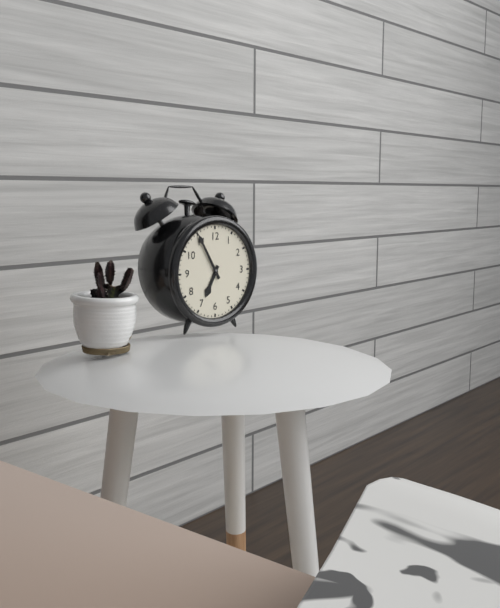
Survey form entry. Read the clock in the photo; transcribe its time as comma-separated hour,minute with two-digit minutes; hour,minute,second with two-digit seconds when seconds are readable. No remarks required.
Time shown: 6,55
